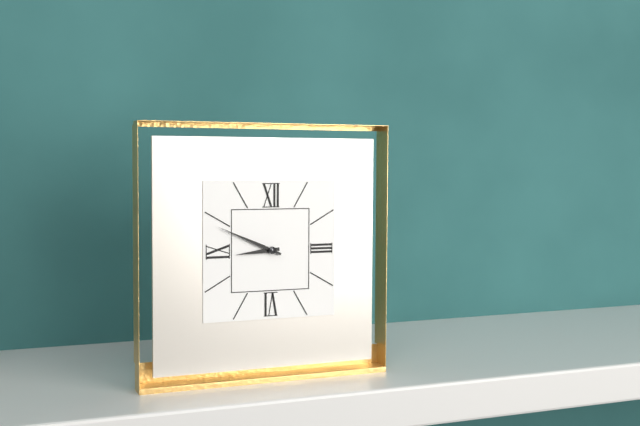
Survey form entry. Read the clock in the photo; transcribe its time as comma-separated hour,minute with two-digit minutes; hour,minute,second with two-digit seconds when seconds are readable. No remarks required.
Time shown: 8,49
